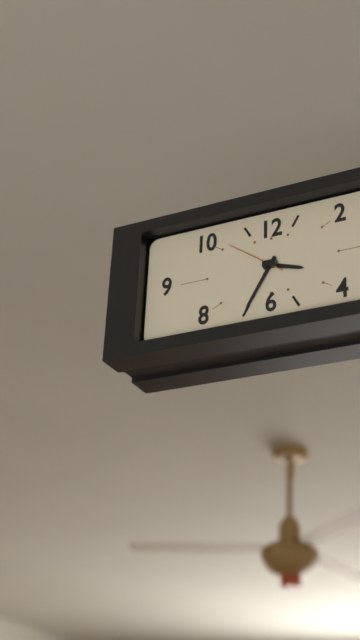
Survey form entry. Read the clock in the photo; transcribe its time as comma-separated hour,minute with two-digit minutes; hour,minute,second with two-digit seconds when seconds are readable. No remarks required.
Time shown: 3,35,51
